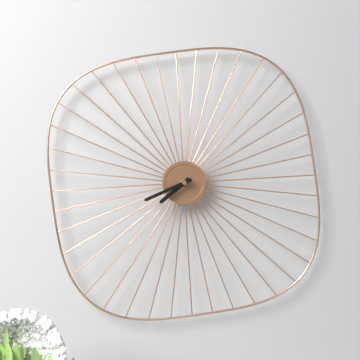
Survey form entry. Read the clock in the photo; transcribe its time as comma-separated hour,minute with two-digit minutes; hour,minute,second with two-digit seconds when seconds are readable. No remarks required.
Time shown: 7,41
